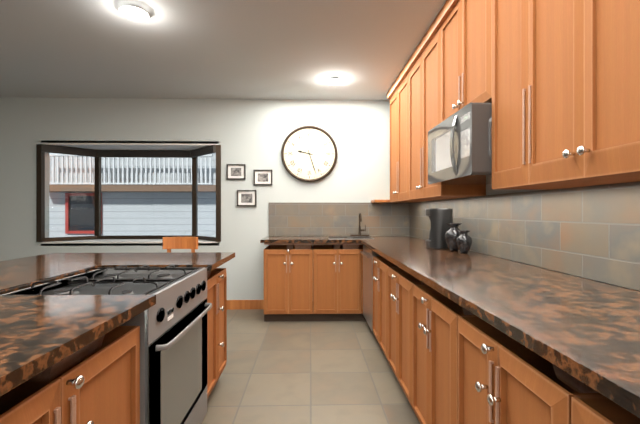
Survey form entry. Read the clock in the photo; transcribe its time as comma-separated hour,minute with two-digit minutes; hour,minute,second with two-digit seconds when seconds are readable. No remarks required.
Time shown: 9,27
